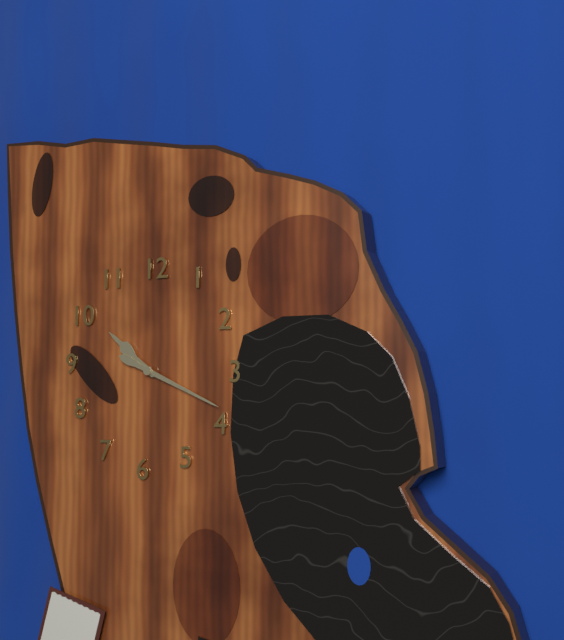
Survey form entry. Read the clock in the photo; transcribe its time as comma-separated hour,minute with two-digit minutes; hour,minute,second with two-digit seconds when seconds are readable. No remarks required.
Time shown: 10,19
